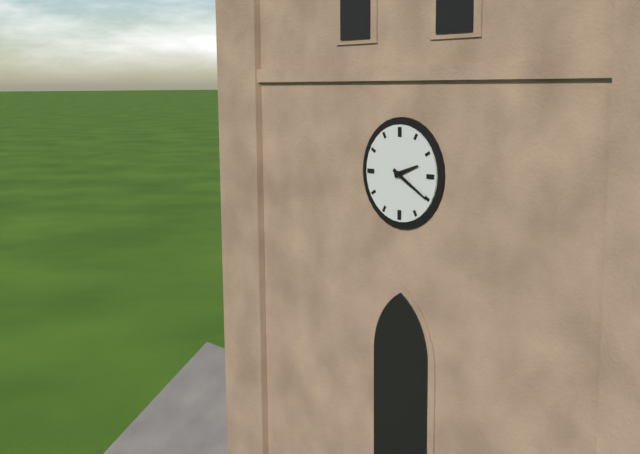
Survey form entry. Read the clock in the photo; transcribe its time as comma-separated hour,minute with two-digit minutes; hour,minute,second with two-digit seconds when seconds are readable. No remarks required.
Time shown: 2,20
